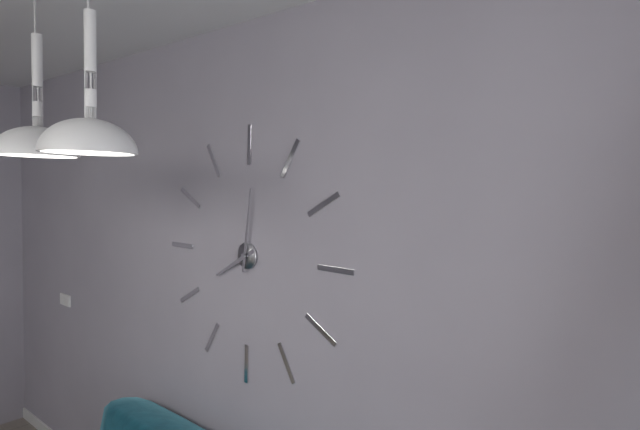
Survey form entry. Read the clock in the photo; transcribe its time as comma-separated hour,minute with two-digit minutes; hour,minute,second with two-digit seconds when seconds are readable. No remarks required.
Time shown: 8,01
